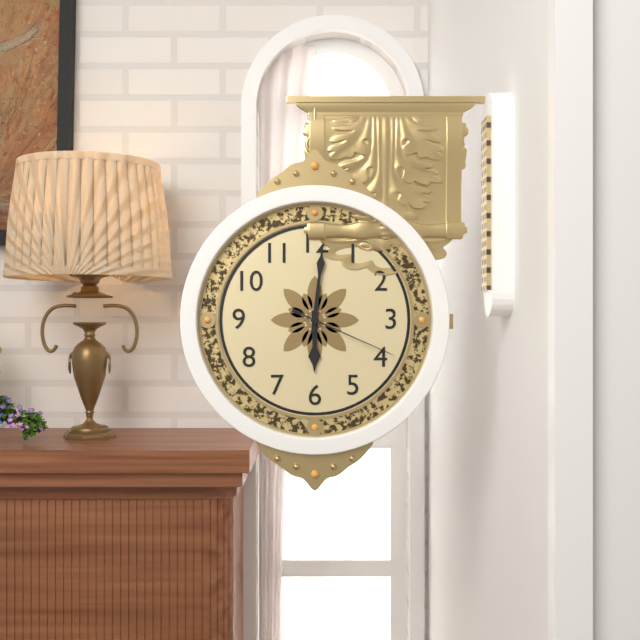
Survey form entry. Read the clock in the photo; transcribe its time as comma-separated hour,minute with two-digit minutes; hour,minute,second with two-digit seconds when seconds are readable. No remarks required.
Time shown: 6,01,19
